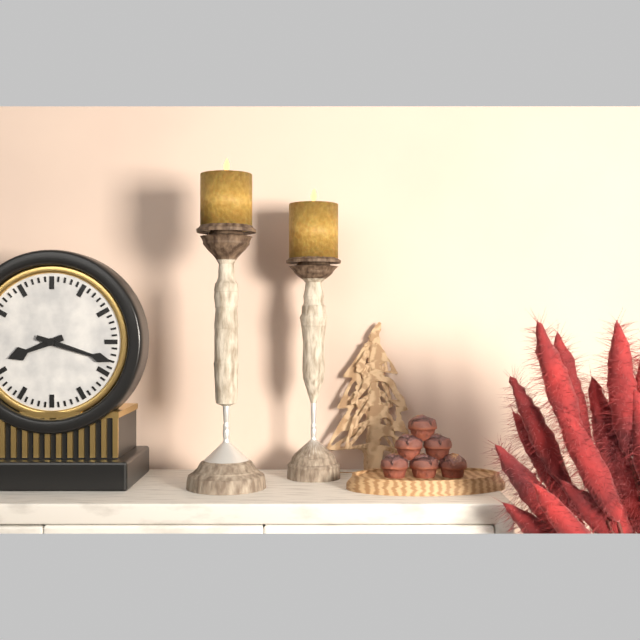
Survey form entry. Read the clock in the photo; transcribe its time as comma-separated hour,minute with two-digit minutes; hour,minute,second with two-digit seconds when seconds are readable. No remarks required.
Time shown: 8,18
